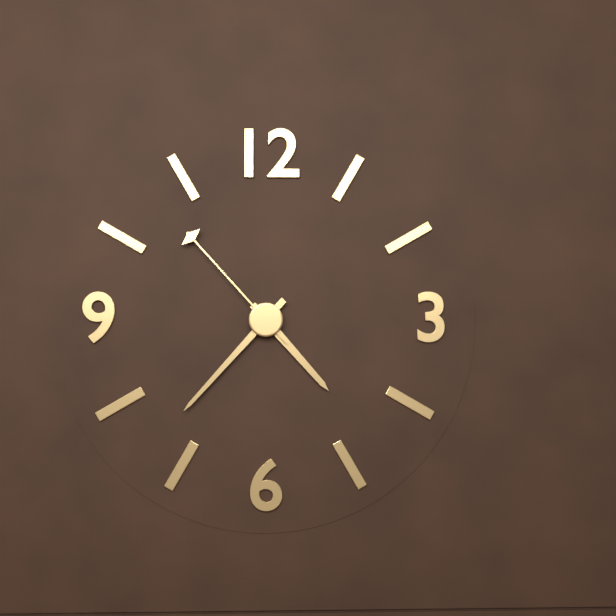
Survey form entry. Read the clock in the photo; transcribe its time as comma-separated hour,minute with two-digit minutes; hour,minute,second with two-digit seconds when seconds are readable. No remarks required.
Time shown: 4,37,53
